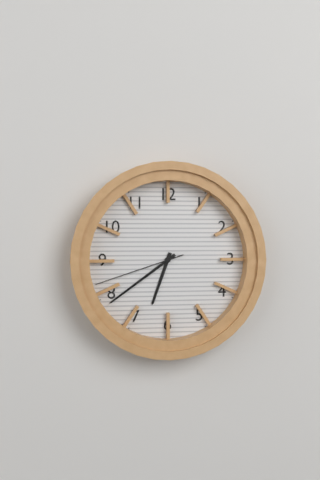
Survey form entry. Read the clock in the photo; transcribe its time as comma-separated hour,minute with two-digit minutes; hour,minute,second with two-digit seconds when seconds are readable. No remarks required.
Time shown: 6,39,42
